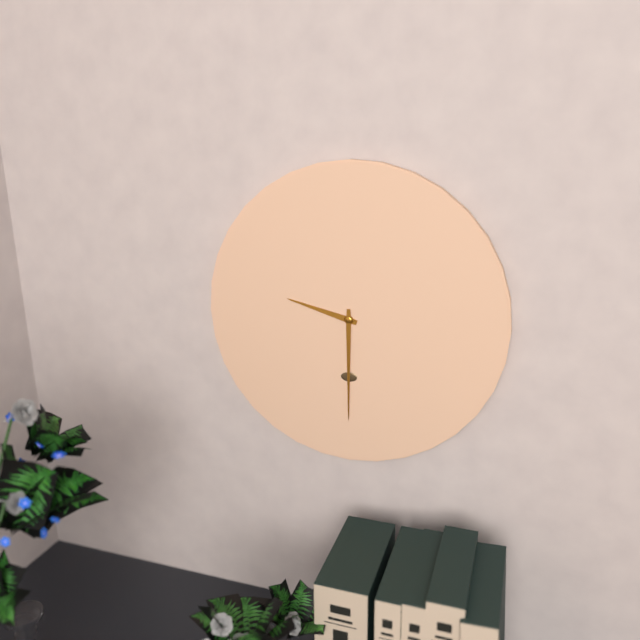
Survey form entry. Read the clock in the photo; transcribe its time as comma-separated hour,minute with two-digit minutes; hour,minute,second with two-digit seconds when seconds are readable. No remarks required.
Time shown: 9,30
